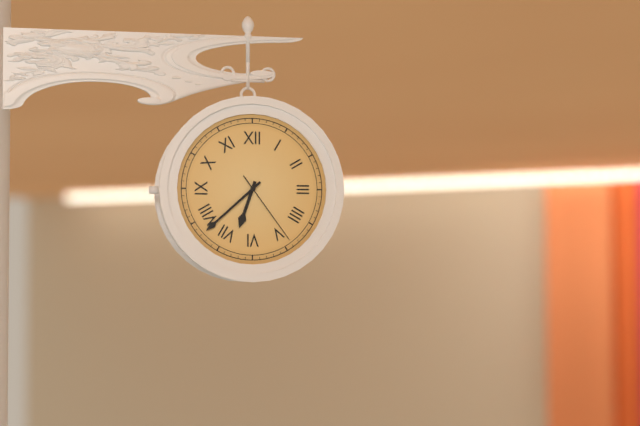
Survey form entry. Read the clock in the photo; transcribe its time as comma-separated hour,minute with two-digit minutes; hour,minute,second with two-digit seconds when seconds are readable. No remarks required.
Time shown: 6,38,24
